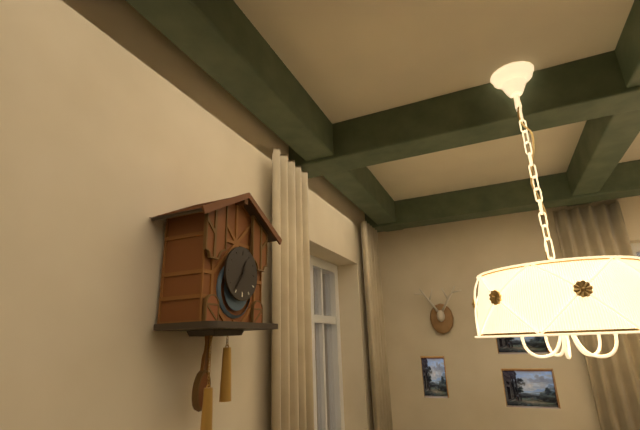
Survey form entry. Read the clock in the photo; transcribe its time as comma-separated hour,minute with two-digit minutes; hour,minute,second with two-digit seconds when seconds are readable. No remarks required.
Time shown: 12,36
